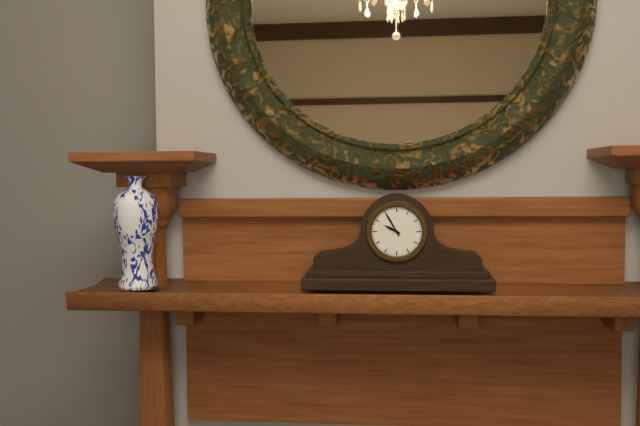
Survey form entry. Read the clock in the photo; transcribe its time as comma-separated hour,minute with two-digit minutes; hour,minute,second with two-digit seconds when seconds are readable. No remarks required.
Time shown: 9,55
